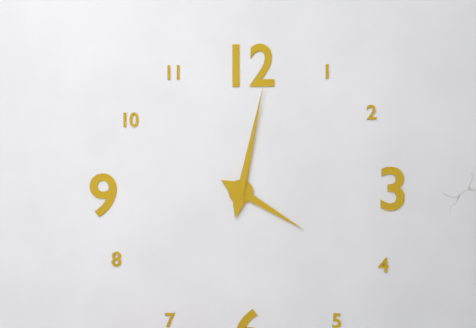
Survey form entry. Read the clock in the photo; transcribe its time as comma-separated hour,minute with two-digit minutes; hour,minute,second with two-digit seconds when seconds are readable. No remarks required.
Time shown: 4,02
